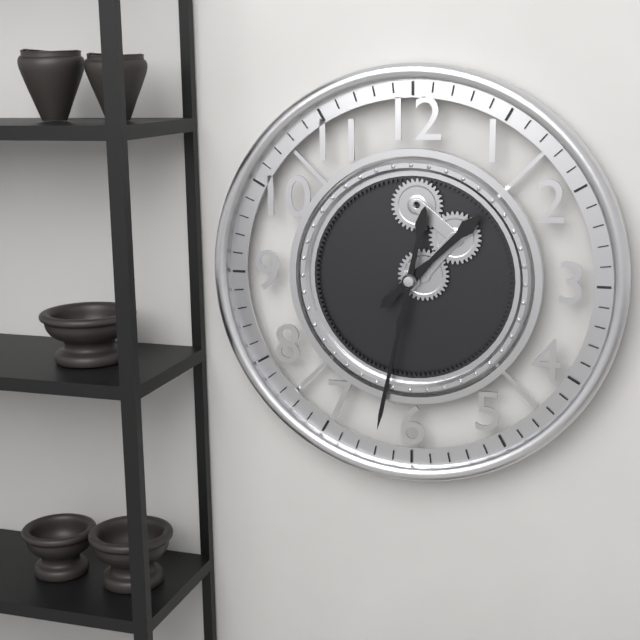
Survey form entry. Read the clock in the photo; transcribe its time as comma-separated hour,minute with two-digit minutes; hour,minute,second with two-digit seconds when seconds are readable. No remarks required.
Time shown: 1,32
